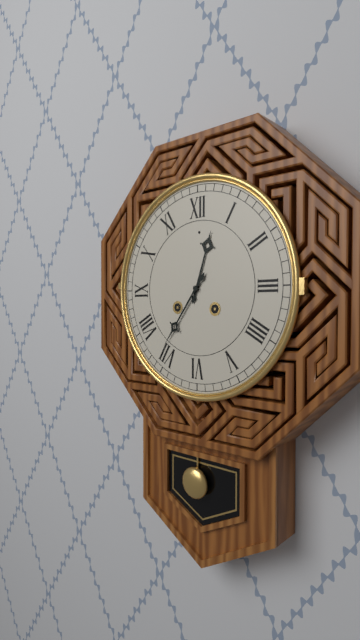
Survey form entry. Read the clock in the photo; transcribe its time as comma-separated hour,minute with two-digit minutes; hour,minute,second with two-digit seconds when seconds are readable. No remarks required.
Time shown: 12,36
